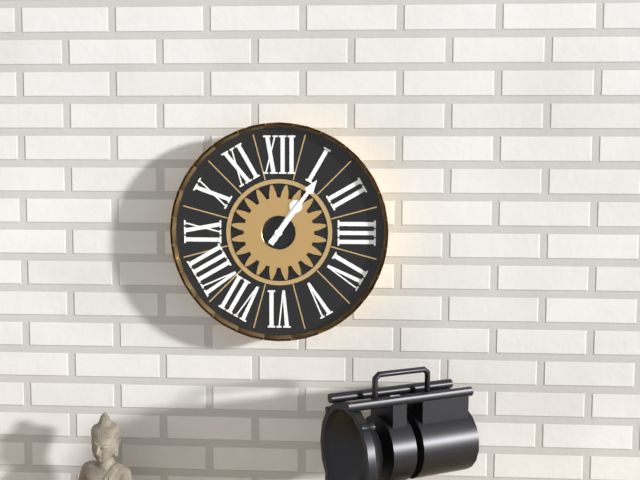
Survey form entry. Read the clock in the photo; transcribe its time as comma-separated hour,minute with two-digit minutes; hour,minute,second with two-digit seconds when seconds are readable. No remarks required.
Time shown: 1,06
